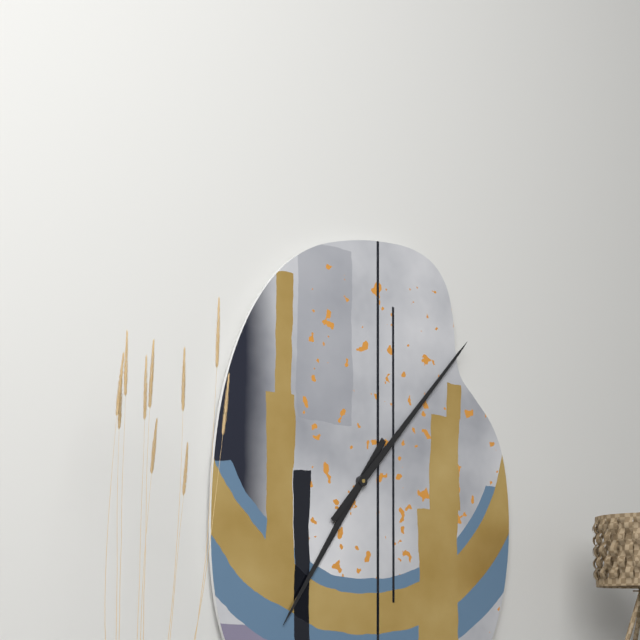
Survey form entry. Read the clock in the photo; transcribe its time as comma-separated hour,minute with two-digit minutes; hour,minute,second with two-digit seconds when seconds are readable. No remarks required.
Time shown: 7,07
